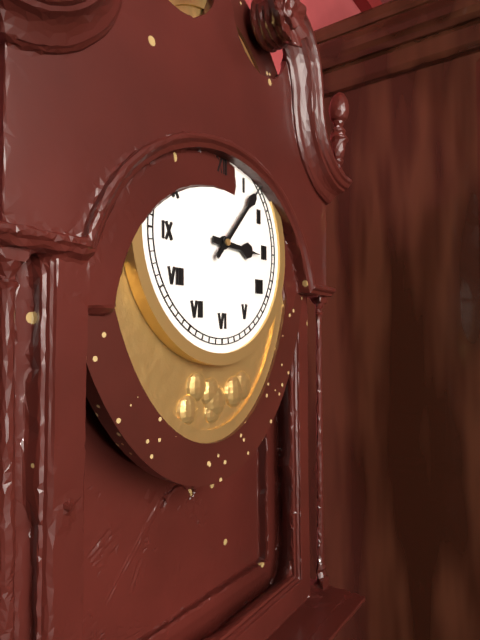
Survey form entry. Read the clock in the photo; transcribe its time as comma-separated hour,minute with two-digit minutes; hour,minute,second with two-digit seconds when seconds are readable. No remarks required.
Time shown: 3,07
